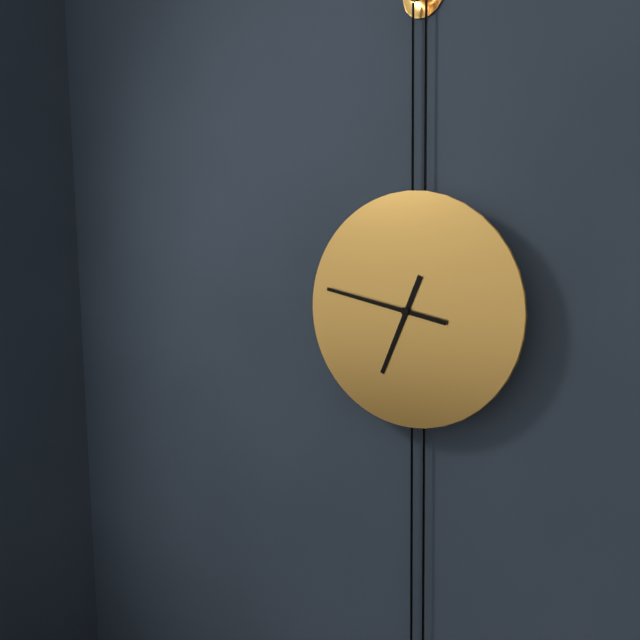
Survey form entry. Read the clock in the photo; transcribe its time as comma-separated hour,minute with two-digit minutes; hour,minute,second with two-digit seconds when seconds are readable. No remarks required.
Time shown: 6,47
